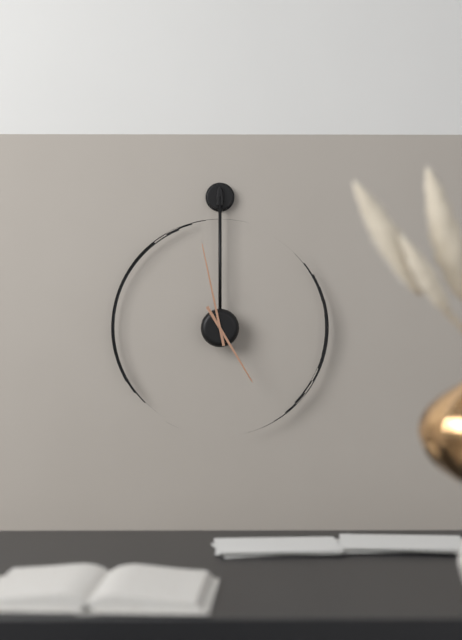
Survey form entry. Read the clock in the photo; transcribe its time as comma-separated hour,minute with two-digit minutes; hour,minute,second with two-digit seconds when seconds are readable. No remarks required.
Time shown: 4,58
